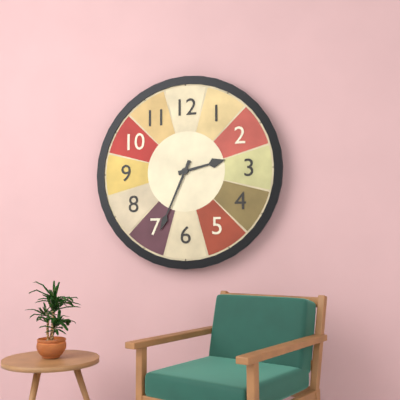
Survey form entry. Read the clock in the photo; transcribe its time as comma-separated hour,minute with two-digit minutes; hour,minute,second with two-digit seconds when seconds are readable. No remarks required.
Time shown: 2,34
